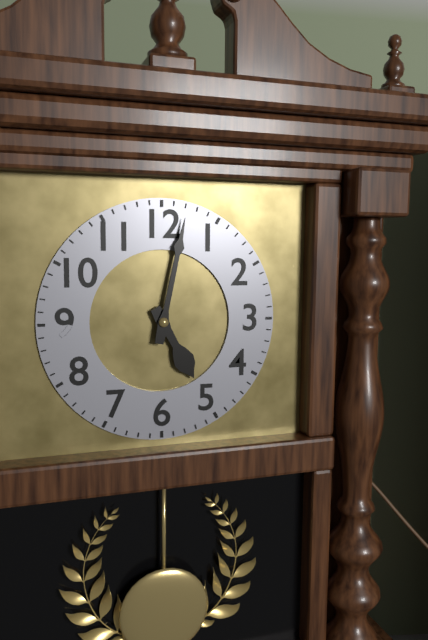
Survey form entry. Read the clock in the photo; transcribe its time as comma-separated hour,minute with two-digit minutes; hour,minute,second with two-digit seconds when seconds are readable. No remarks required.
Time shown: 5,02
